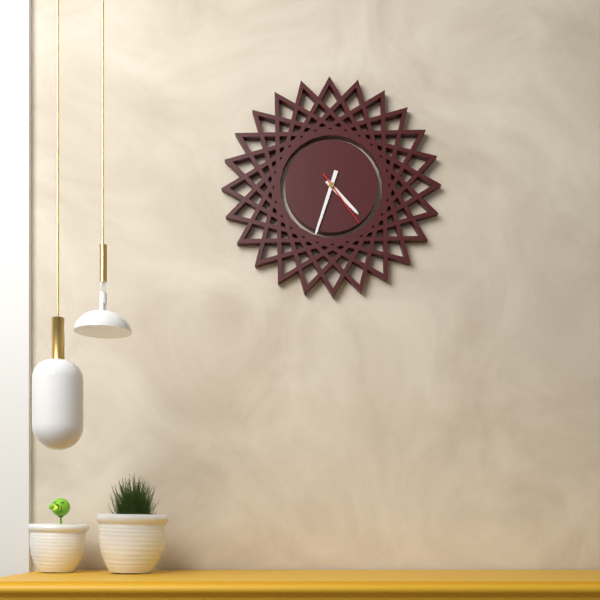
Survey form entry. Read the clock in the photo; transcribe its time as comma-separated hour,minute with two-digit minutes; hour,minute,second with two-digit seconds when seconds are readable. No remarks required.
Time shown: 4,33,24
